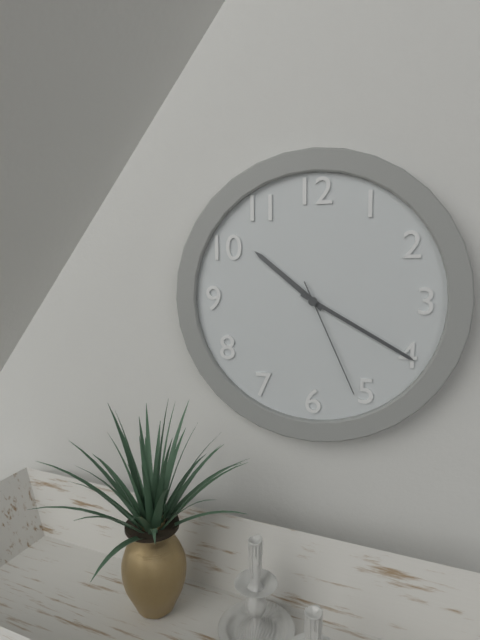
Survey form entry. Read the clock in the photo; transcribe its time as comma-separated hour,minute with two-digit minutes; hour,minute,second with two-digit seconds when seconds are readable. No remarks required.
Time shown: 10,20,26
